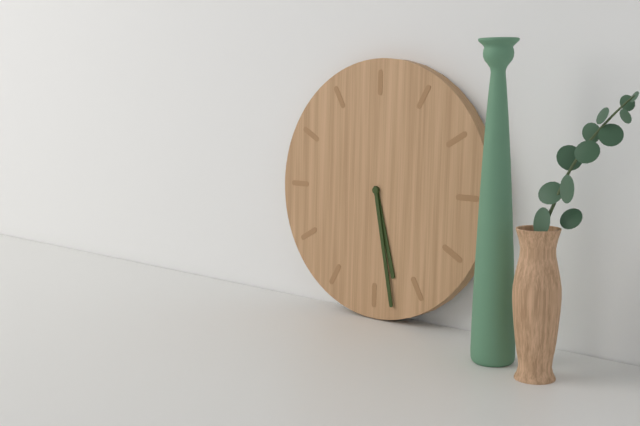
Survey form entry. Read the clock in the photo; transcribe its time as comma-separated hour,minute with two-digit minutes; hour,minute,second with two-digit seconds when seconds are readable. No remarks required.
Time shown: 5,28
